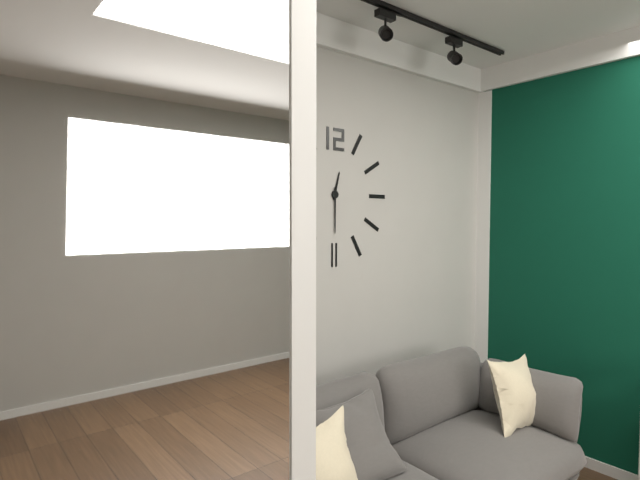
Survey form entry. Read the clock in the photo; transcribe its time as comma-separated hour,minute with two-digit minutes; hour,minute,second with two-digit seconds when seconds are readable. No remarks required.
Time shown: 12,30
